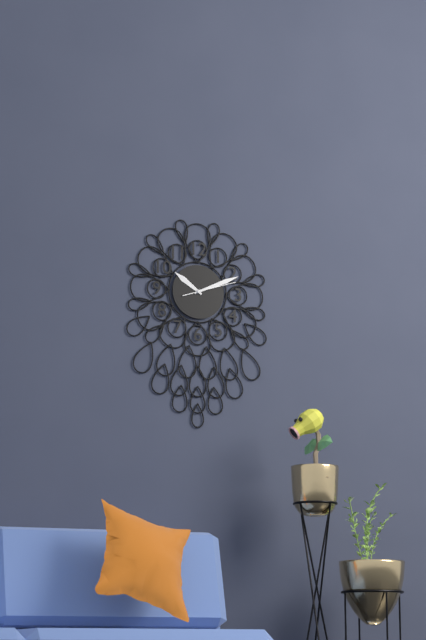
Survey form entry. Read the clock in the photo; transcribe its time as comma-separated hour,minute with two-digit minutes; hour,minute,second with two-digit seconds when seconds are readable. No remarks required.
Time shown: 10,11
